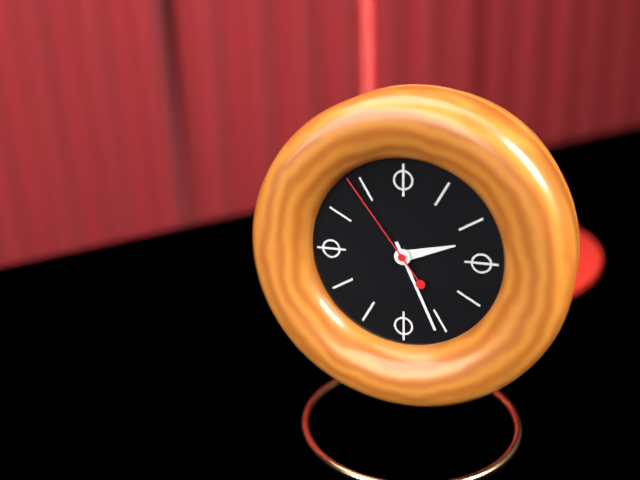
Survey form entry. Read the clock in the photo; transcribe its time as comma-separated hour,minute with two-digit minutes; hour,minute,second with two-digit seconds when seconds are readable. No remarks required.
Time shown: 2,26,54
